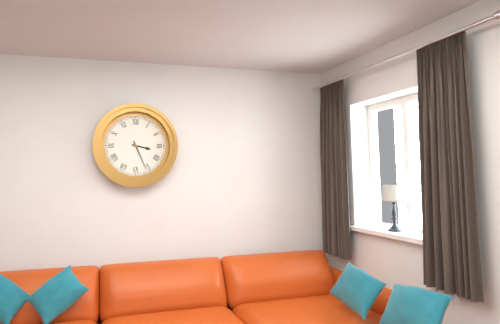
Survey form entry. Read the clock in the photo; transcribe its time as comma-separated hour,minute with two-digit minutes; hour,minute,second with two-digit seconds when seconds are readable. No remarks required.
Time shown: 3,26
